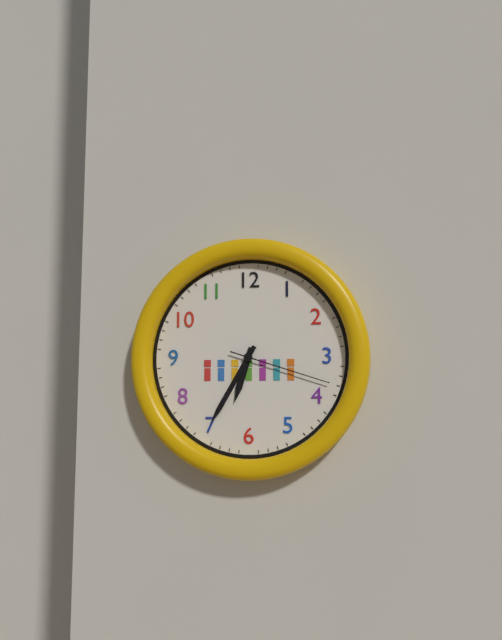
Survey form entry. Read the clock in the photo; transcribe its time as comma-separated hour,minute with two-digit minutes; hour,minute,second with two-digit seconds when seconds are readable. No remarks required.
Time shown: 6,35,18
